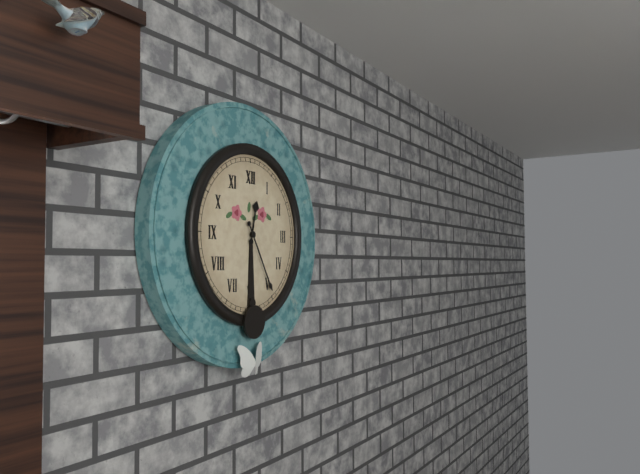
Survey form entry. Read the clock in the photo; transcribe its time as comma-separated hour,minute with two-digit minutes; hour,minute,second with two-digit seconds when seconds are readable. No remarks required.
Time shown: 12,25
